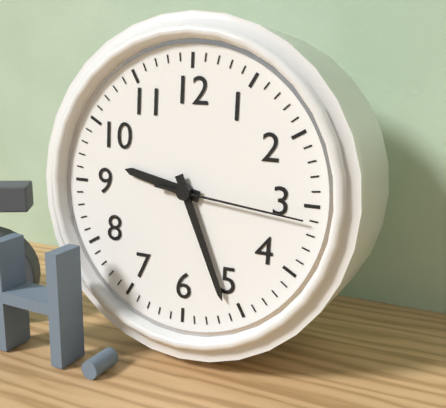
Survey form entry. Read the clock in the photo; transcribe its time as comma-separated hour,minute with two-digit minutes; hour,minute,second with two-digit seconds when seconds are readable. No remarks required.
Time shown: 9,26,16
